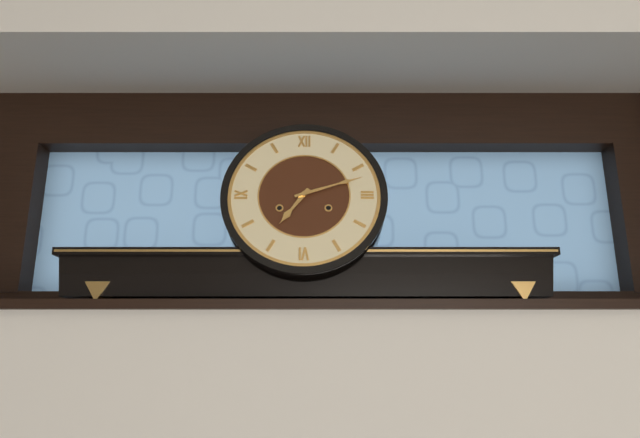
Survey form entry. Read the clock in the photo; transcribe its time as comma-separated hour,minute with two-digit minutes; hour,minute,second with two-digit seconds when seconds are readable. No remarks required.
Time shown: 7,12
